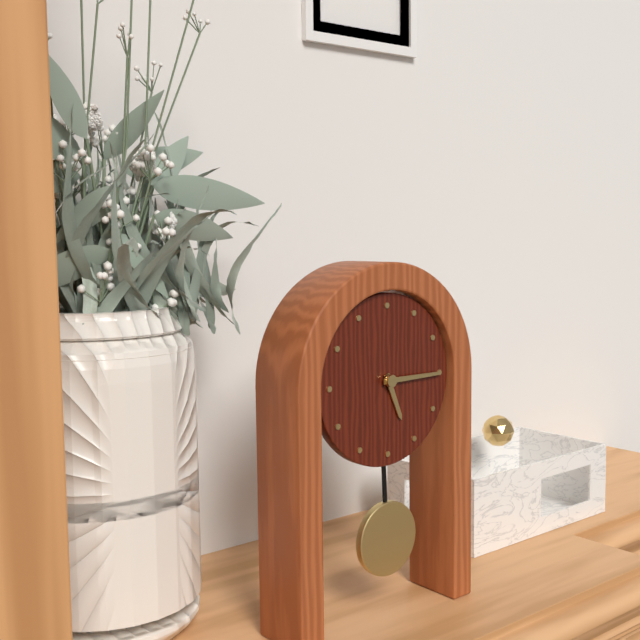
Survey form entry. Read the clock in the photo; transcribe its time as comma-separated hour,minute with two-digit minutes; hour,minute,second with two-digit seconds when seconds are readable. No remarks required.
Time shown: 5,15
